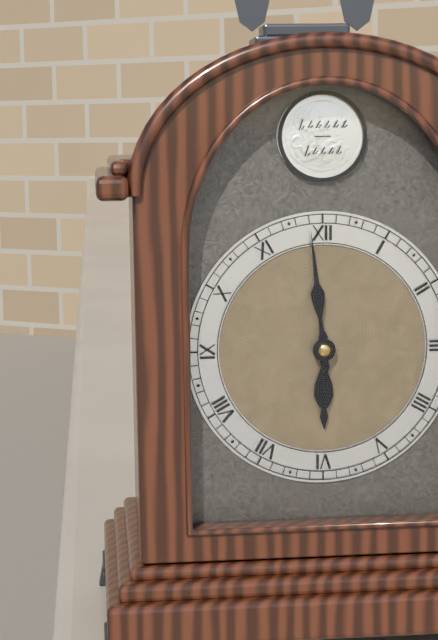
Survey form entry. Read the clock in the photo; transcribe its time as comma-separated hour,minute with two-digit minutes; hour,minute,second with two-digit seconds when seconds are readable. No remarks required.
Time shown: 5,59
